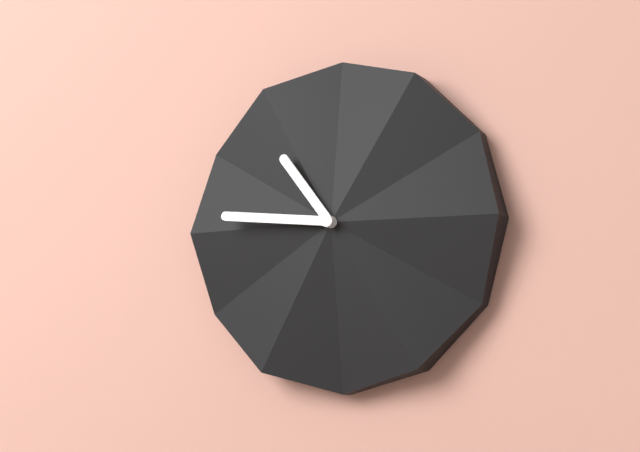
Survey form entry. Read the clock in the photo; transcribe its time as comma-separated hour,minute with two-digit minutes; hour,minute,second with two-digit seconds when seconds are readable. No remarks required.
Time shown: 10,46
